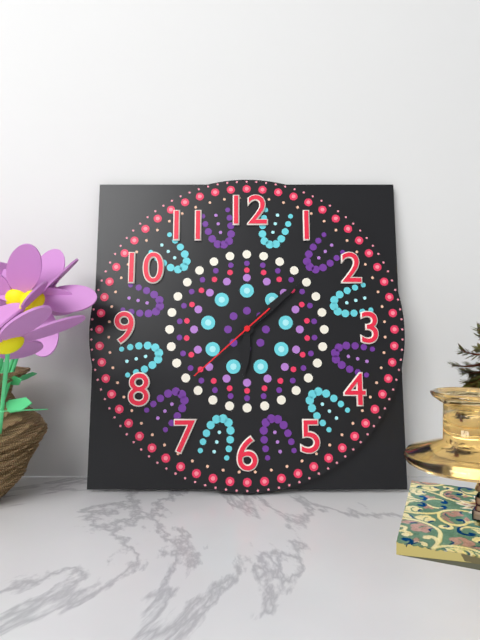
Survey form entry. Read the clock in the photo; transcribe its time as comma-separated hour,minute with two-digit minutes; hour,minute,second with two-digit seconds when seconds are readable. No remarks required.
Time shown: 6,08,38
